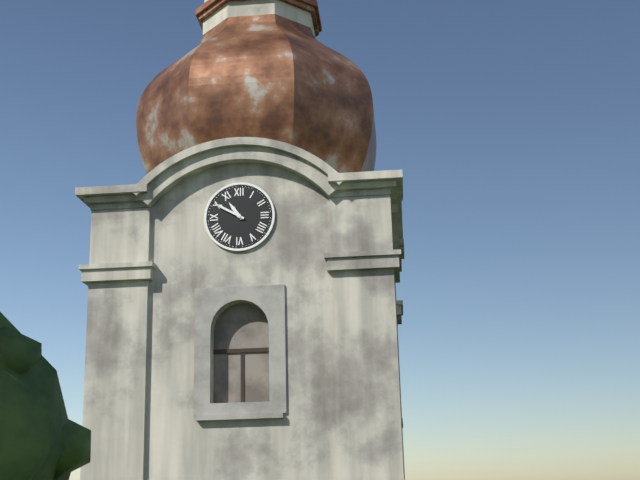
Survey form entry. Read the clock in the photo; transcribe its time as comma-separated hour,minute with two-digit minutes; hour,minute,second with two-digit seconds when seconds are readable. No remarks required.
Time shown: 10,50
